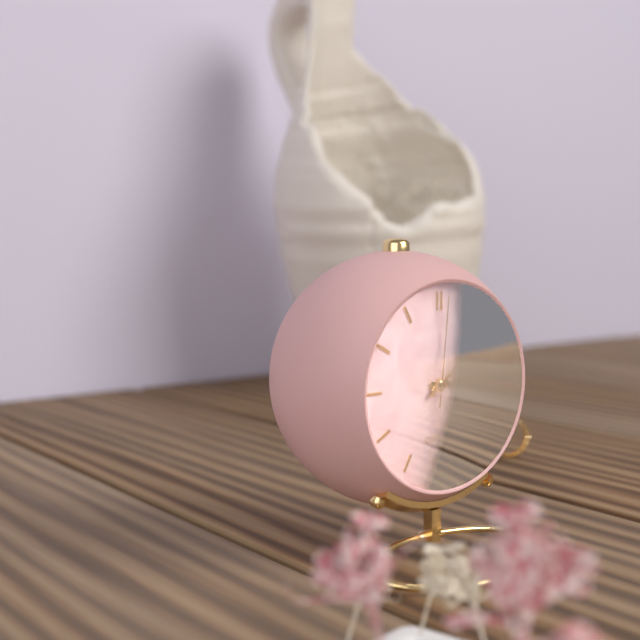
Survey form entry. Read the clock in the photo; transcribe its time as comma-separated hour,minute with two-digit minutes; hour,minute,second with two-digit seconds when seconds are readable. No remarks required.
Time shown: 3,10,01
